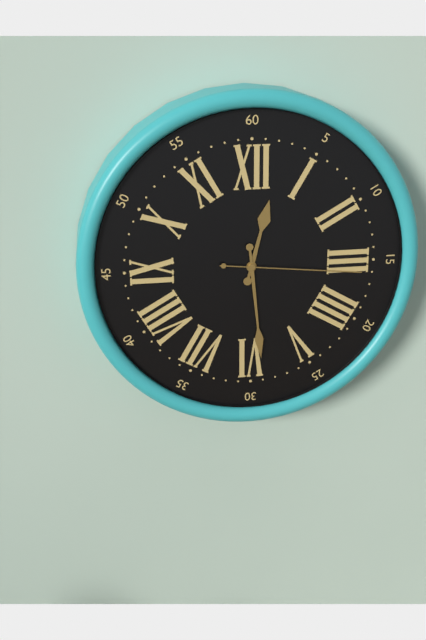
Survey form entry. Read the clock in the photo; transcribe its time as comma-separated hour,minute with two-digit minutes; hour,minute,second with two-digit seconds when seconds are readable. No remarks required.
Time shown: 12,29,16
